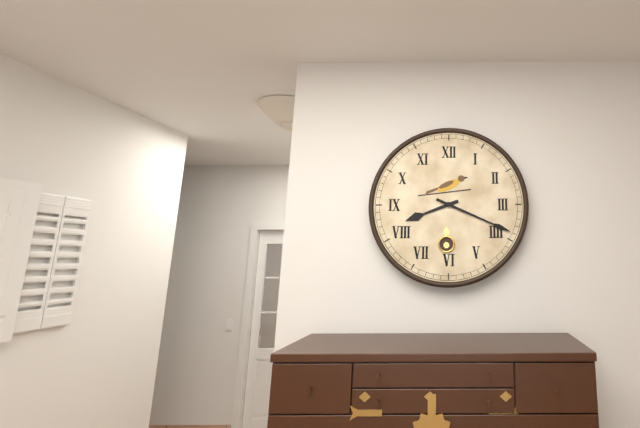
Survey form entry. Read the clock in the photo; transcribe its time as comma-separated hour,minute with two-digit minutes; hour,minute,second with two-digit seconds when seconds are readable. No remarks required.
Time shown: 8,19
